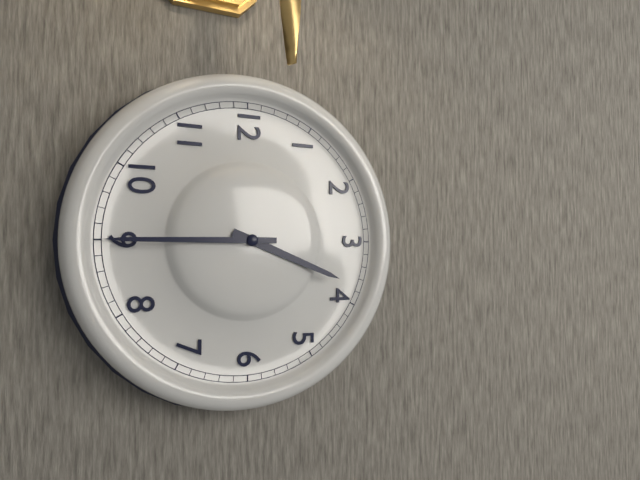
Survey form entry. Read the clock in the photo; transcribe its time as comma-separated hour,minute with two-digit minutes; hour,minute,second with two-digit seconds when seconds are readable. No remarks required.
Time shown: 3,45
